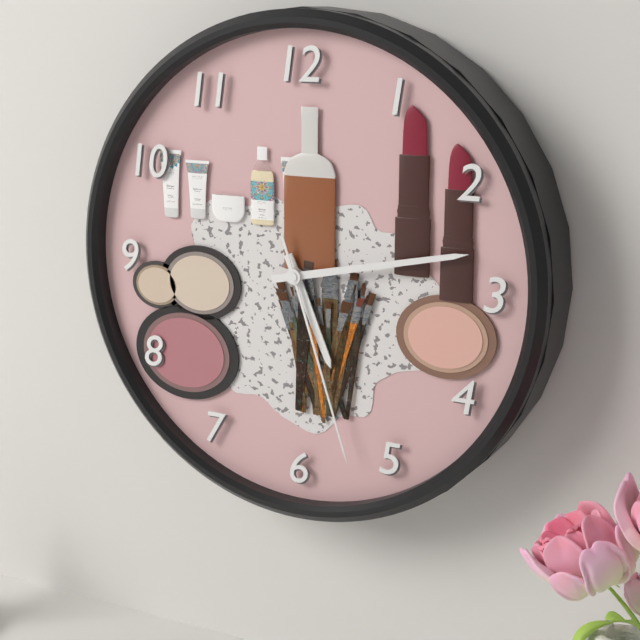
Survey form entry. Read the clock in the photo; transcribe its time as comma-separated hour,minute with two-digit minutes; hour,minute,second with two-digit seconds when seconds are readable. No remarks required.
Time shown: 5,13,27
